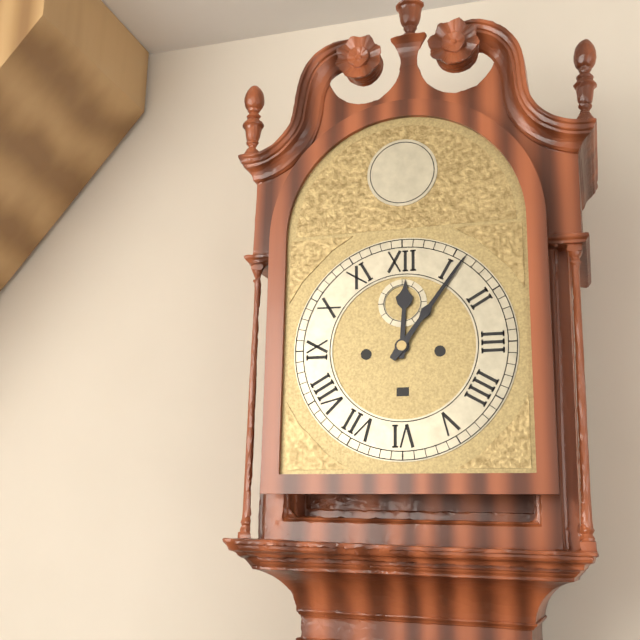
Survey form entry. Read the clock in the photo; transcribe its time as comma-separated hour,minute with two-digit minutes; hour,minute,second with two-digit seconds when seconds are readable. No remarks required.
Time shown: 12,06
